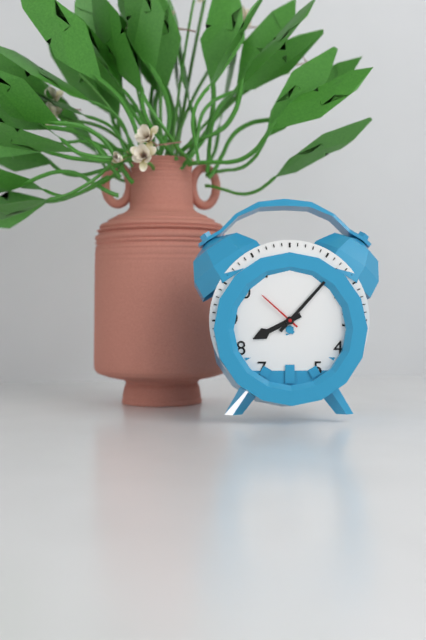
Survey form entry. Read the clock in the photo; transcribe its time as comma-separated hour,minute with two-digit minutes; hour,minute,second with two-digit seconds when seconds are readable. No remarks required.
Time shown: 8,07
